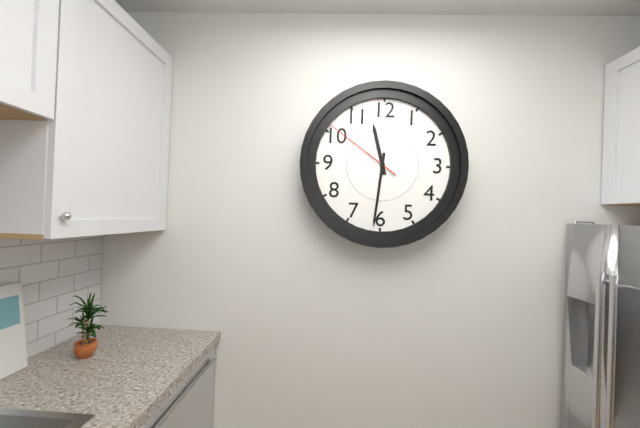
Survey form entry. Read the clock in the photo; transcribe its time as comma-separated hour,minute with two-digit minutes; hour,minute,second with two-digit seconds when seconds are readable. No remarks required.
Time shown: 11,31,51
